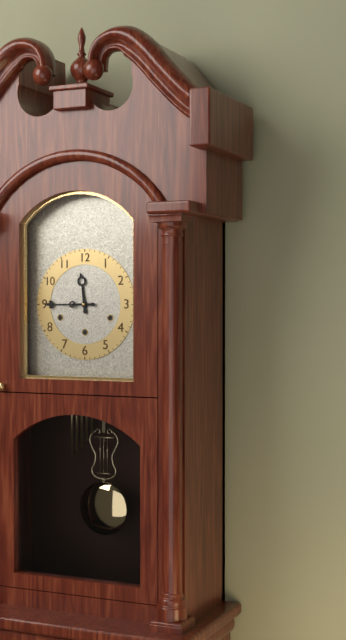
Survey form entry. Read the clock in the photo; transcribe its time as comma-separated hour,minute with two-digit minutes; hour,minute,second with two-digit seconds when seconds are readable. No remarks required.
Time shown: 11,45
